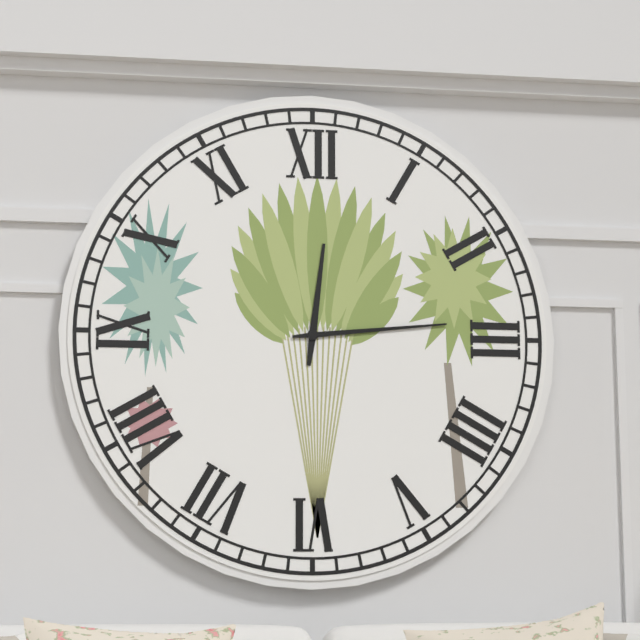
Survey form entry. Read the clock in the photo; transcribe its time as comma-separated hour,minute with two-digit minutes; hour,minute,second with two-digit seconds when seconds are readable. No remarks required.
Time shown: 12,14
